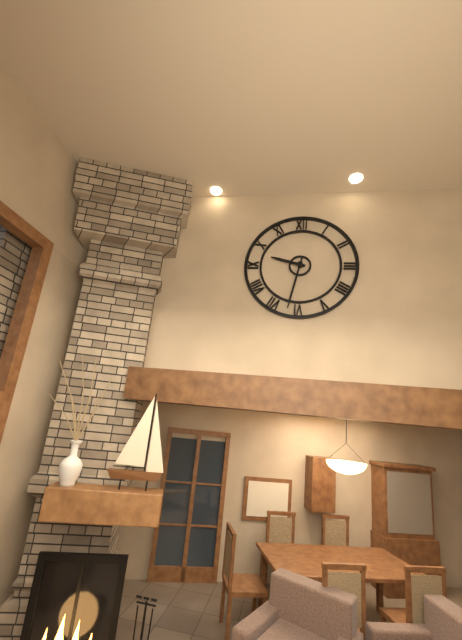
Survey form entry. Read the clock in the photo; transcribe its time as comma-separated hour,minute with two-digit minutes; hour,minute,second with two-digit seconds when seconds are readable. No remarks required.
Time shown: 9,32
